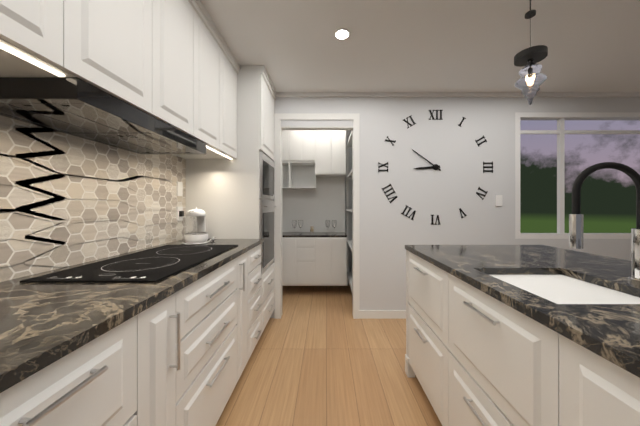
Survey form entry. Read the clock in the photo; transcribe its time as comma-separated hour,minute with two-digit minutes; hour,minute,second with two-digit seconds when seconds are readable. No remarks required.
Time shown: 8,51
